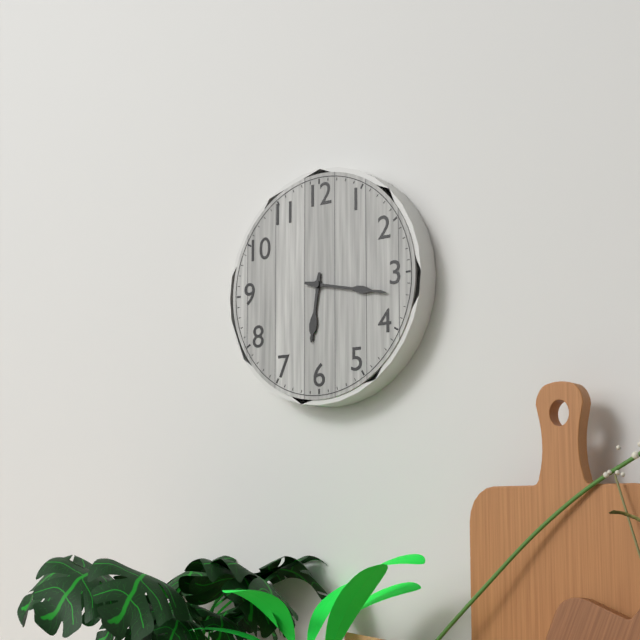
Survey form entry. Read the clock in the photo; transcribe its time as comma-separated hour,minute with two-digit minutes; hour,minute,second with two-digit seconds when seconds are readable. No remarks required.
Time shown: 6,17
